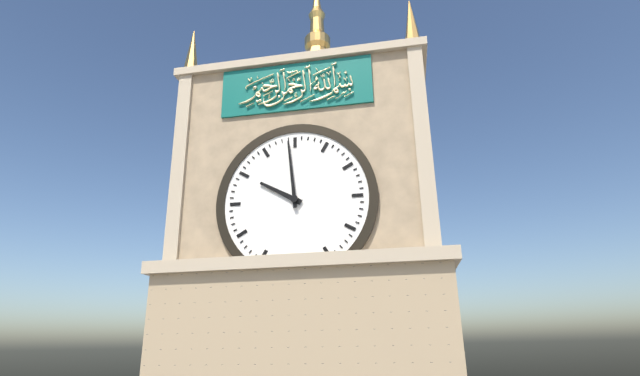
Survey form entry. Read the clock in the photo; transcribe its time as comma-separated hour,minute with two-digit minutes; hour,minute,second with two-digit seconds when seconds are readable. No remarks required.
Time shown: 9,59
